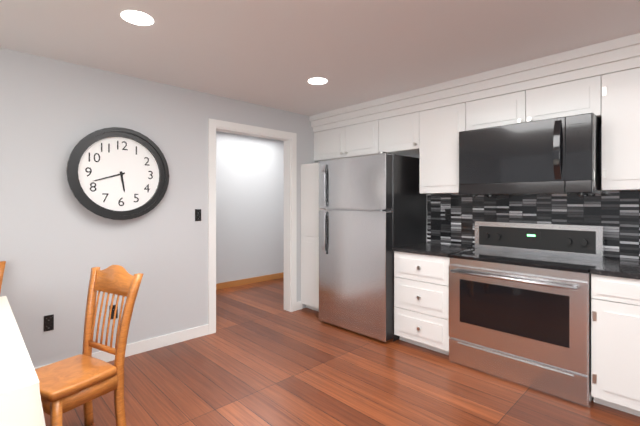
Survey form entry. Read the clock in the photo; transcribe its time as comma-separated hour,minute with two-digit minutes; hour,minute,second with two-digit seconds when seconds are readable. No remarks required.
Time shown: 5,42
